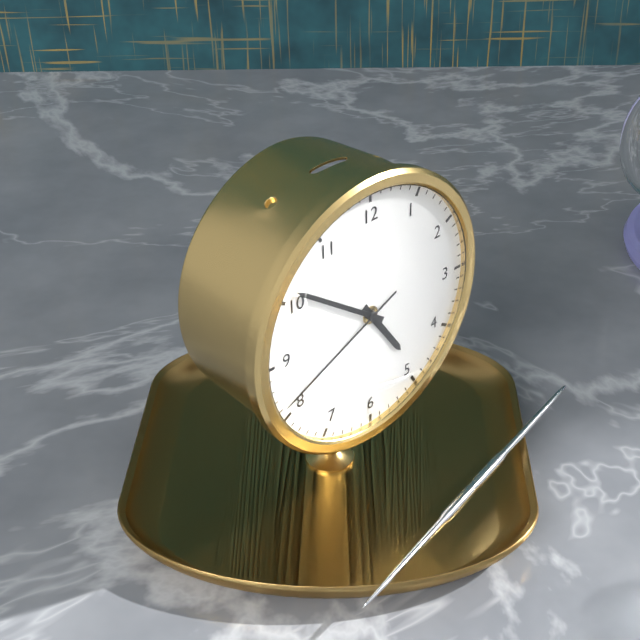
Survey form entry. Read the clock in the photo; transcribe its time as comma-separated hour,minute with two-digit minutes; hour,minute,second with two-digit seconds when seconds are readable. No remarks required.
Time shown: 4,51,41
